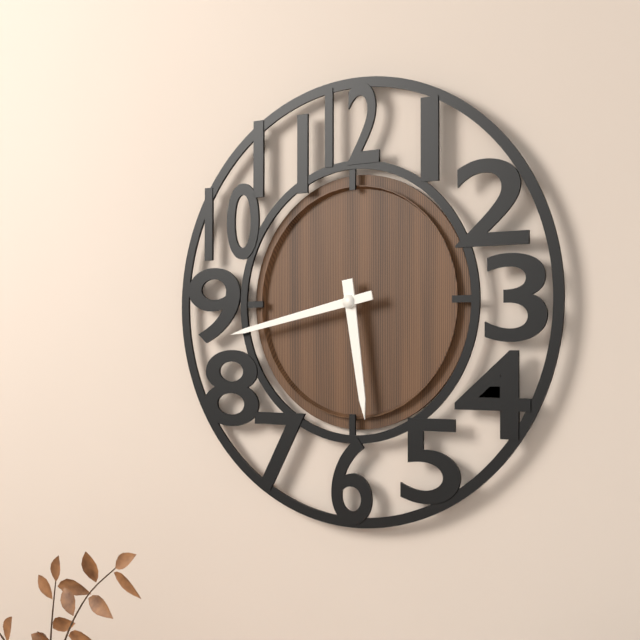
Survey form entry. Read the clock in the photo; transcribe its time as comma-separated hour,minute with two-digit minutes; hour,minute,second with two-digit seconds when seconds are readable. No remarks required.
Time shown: 5,43
